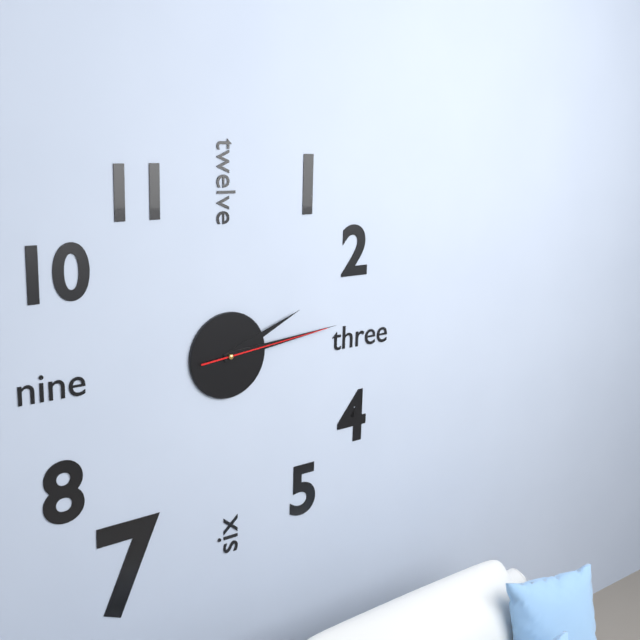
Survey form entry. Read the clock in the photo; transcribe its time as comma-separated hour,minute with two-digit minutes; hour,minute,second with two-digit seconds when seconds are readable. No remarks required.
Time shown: 2,14,14
